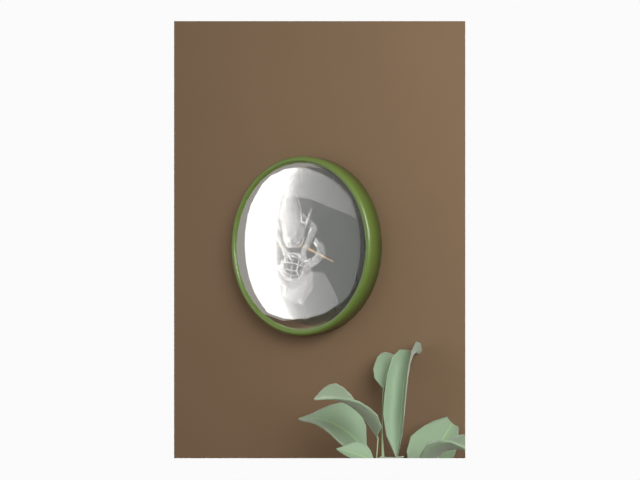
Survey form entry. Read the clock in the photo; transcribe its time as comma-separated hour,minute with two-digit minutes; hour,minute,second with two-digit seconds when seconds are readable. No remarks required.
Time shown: 3,45
